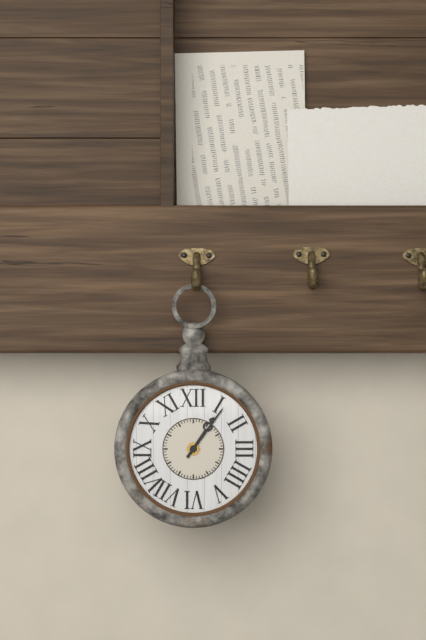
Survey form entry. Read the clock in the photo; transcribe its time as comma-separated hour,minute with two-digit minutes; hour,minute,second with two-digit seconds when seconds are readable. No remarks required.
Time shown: 1,06
